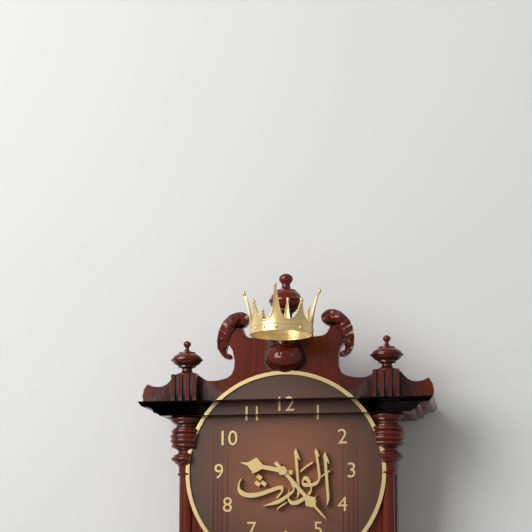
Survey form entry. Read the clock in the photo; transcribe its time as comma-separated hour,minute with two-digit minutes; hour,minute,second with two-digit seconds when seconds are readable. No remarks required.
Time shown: 9,23
